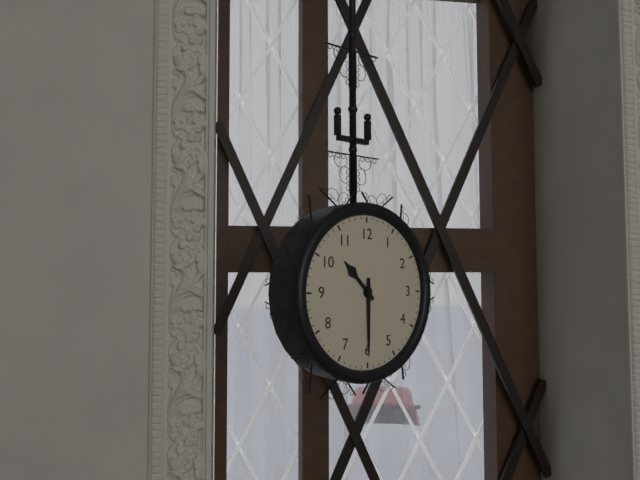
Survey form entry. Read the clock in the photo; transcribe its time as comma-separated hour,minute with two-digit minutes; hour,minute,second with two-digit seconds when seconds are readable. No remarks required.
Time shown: 10,30
